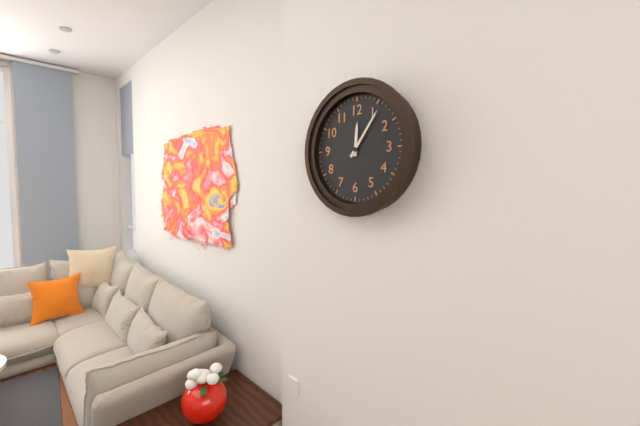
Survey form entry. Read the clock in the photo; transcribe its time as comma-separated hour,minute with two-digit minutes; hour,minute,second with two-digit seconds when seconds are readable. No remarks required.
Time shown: 12,06
